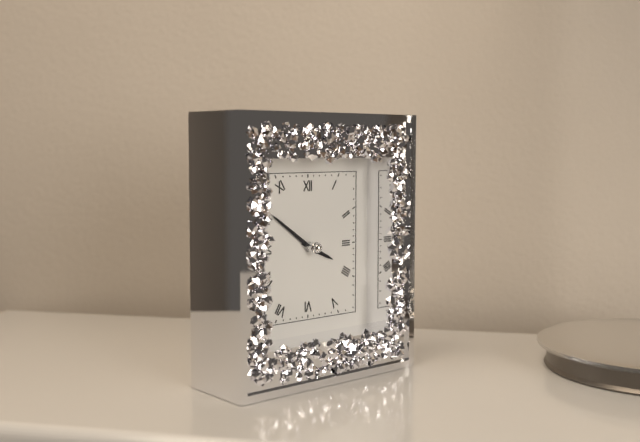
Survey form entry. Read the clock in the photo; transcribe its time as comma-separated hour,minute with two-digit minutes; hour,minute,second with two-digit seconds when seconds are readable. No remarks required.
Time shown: 3,51
